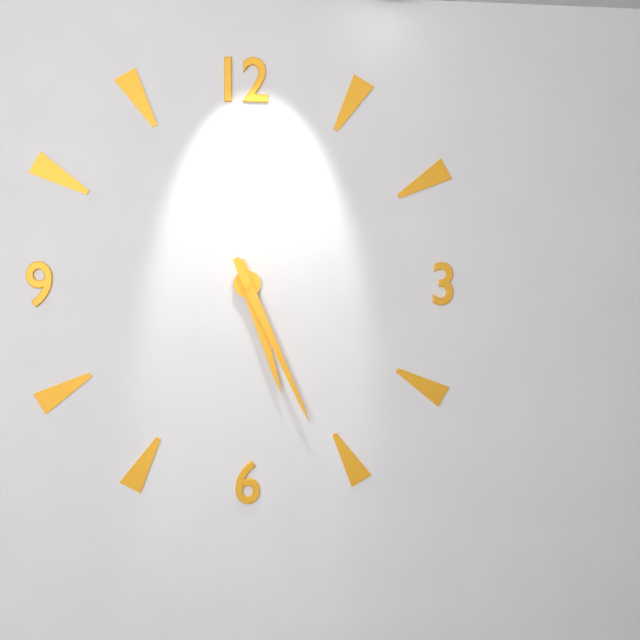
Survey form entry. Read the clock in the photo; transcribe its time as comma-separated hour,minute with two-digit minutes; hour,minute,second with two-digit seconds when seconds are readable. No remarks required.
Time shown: 5,26
